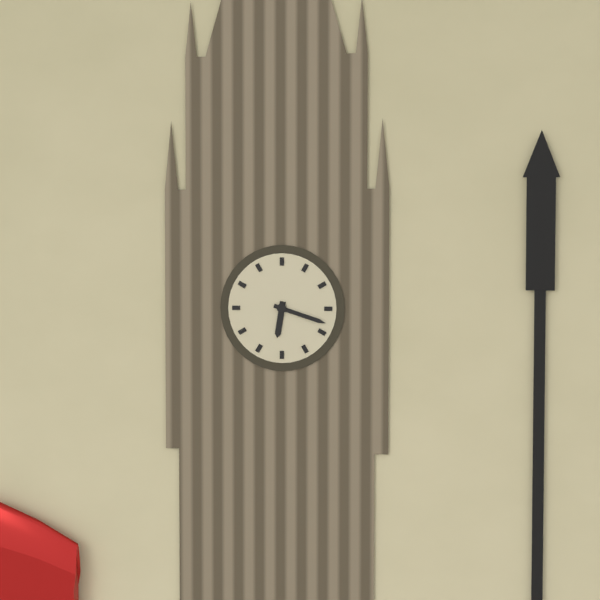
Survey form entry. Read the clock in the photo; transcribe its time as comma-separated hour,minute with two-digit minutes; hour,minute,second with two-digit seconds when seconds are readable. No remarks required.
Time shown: 6,18
